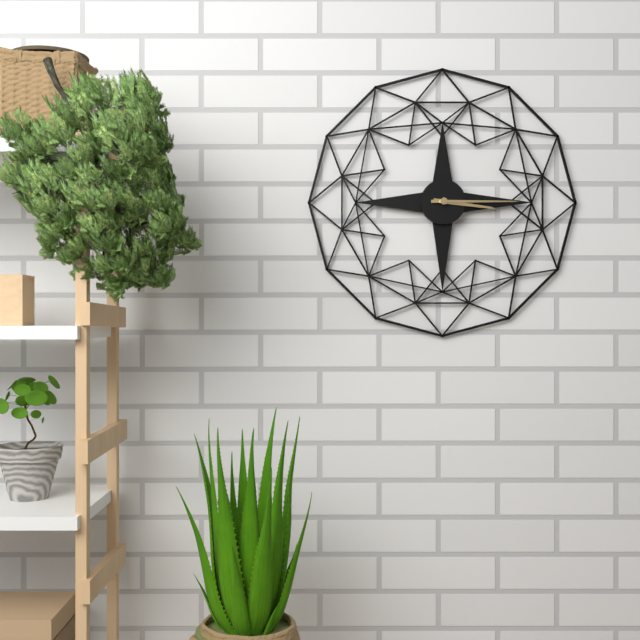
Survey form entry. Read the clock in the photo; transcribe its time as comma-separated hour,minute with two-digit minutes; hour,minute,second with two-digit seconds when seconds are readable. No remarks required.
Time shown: 3,15
